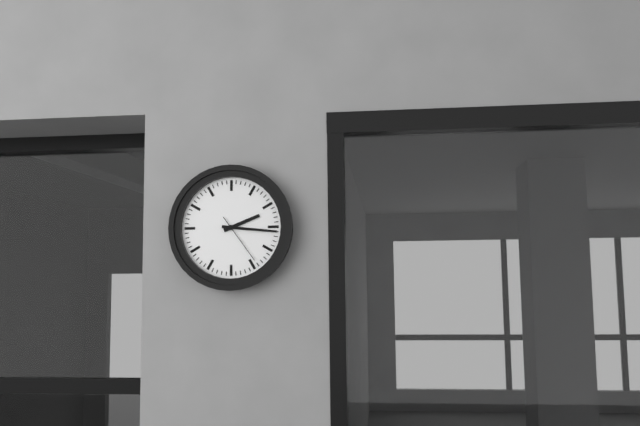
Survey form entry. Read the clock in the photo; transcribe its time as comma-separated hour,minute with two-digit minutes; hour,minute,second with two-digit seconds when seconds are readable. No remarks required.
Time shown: 2,16,24
